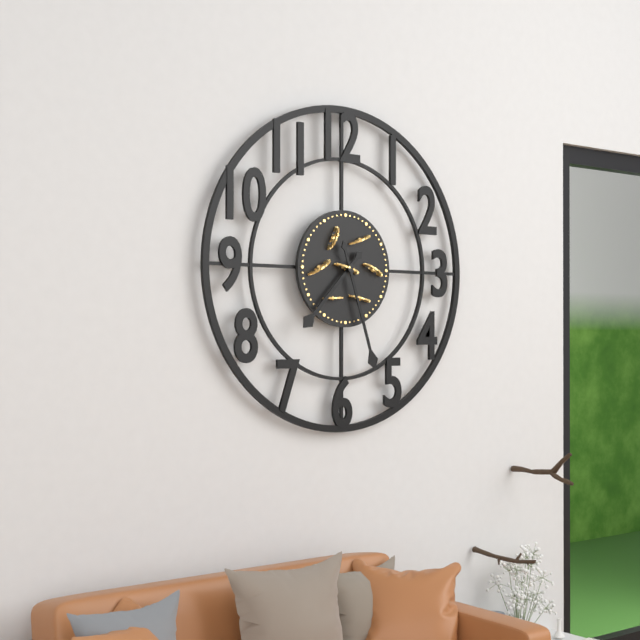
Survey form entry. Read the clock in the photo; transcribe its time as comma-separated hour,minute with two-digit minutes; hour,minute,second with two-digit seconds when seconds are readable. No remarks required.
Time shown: 7,27
